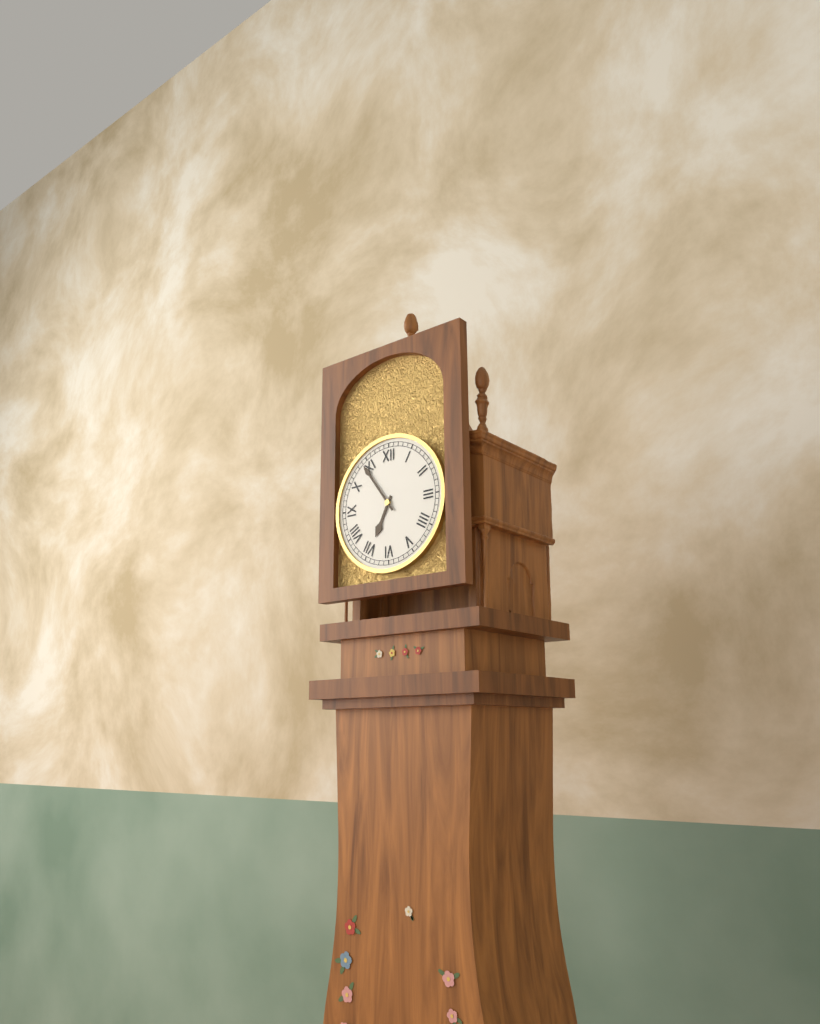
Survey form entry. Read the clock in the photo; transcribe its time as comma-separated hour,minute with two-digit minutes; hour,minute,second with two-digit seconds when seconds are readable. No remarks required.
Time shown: 6,54
